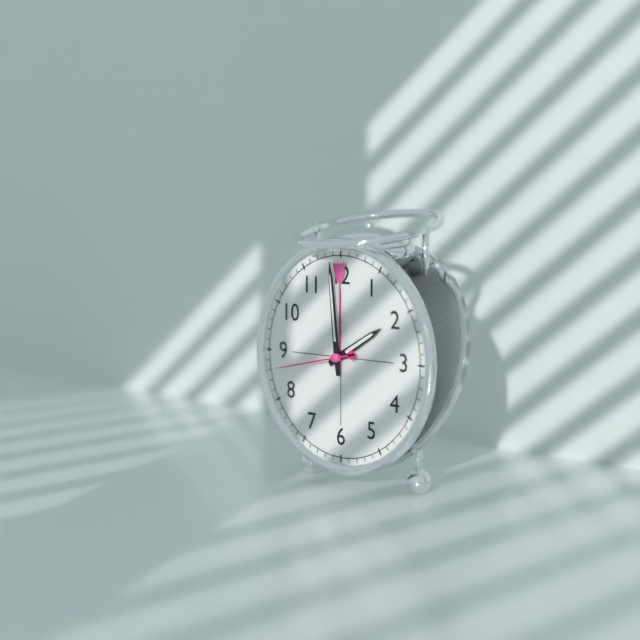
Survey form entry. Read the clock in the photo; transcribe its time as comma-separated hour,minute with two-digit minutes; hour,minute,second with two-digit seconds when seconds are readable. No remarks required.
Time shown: 1,59,43
